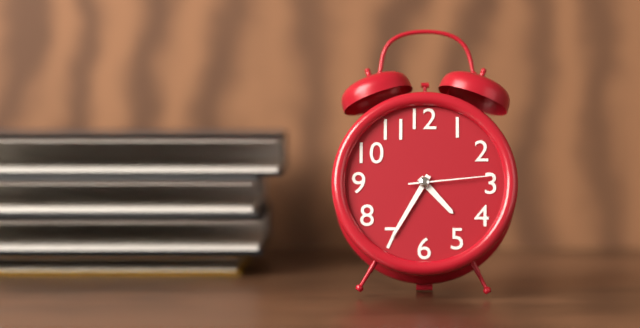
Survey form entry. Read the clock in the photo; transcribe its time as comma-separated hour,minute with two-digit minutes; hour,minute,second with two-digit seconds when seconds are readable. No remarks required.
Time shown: 4,35,14
